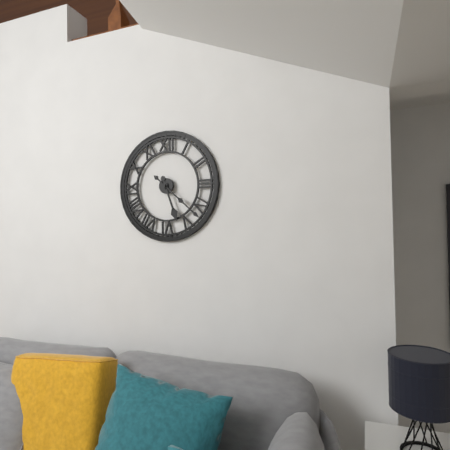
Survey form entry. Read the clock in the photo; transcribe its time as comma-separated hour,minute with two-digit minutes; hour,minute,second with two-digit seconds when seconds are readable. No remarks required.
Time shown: 5,22
